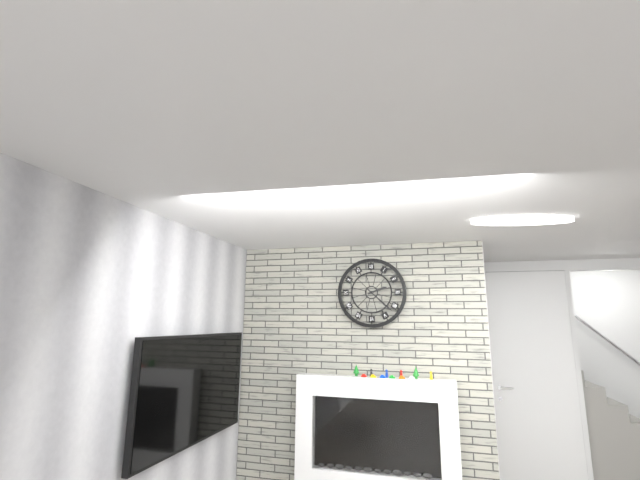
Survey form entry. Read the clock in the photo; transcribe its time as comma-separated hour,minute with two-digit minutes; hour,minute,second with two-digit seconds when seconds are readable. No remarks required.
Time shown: 2,22
